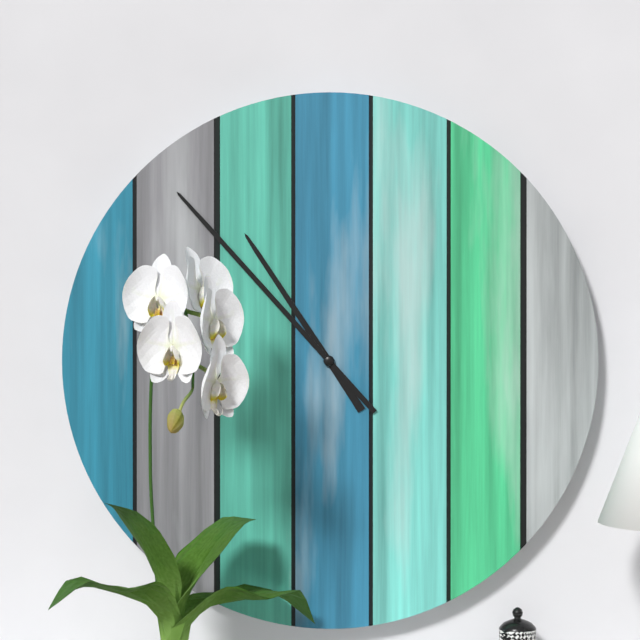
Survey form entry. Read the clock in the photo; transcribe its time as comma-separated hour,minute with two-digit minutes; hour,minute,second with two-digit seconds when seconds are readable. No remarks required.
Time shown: 10,53
